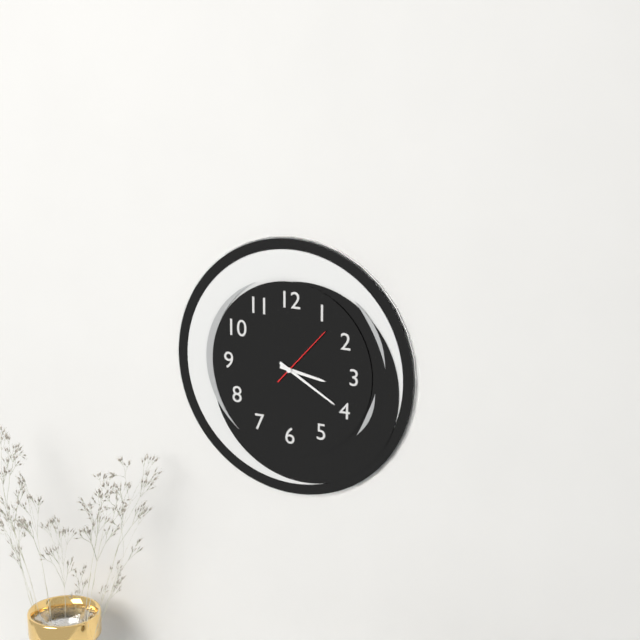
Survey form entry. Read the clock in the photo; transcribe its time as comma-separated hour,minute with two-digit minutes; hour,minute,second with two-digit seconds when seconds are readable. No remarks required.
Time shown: 3,20,07
